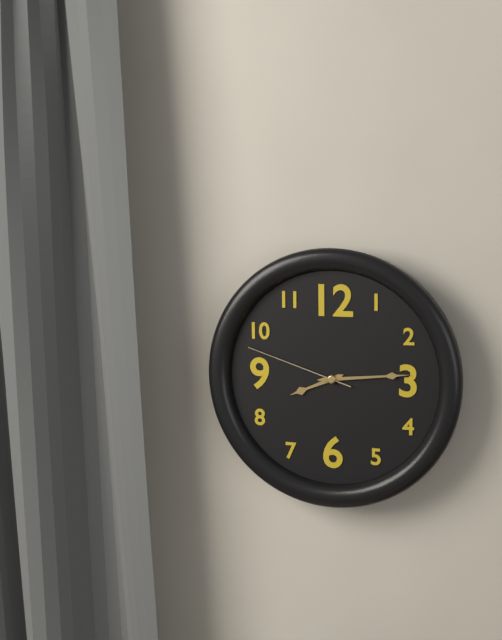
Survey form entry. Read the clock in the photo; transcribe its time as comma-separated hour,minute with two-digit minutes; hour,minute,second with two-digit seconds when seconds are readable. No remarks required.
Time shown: 8,14,48
